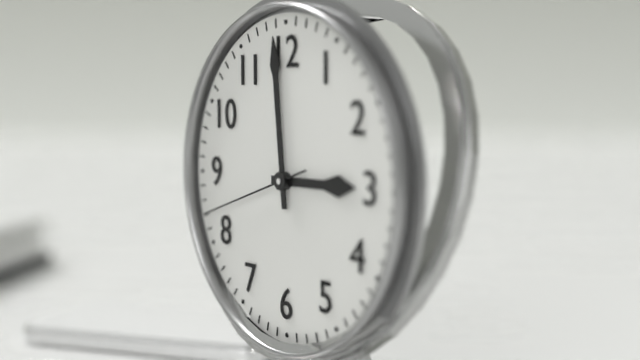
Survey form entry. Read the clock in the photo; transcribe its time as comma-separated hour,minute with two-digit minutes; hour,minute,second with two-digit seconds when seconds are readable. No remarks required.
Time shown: 2,59,42
